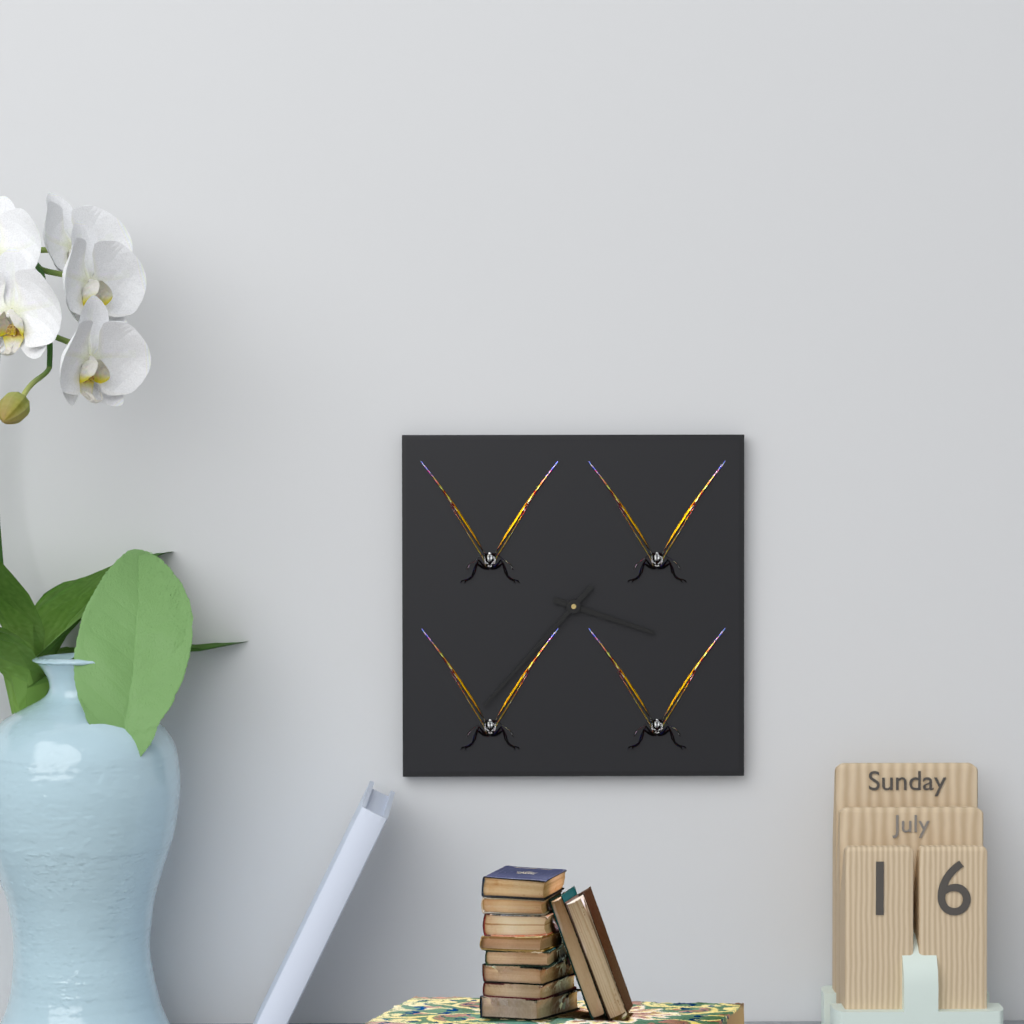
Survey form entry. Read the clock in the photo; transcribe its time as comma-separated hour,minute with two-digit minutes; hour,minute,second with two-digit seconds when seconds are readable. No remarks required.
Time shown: 3,37
